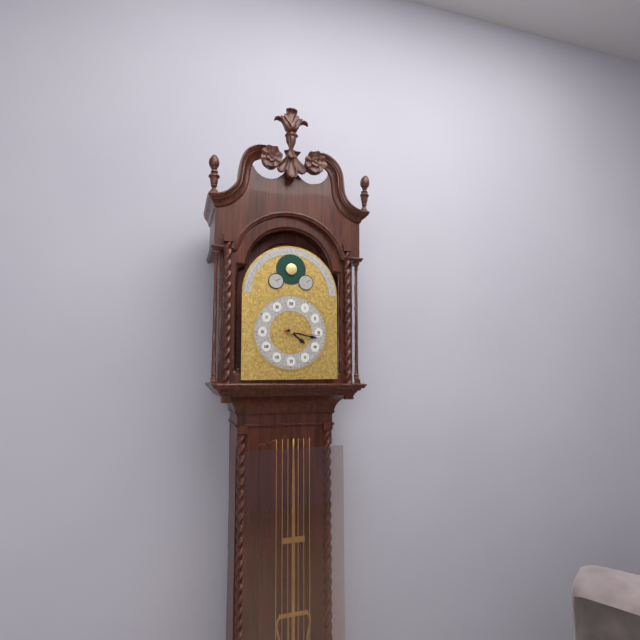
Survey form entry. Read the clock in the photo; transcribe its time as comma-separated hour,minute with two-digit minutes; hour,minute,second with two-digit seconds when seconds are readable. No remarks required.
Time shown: 4,17
